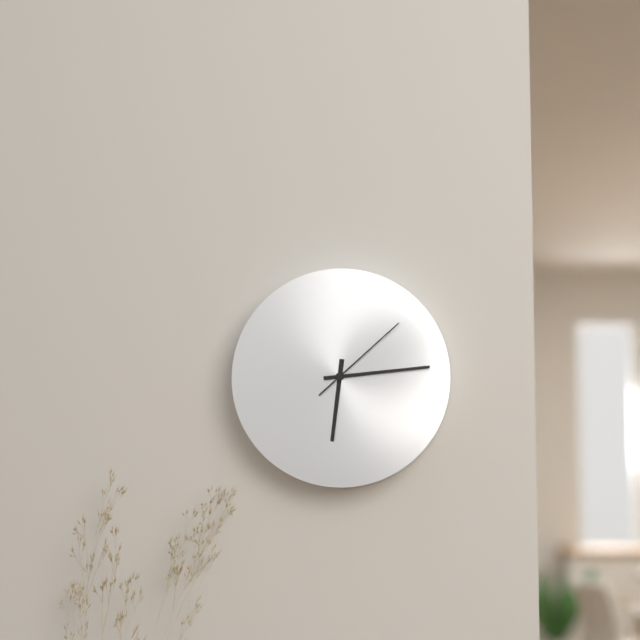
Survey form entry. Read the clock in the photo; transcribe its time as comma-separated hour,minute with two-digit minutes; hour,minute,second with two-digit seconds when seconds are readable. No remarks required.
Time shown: 6,14,08
